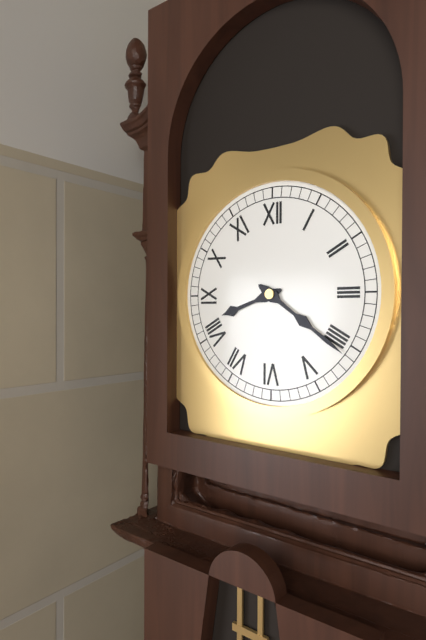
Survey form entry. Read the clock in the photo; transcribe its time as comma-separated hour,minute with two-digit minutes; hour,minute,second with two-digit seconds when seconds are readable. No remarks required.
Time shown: 8,21
